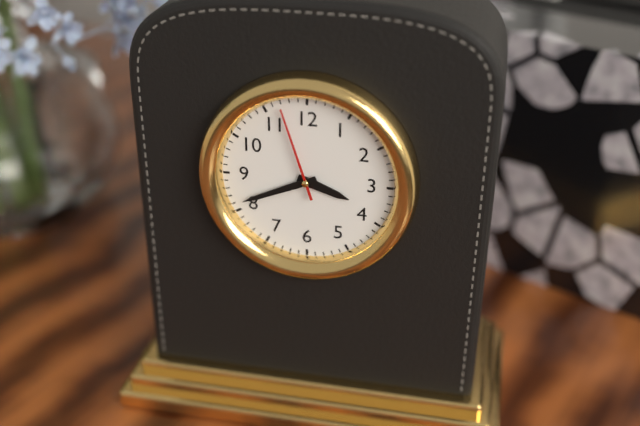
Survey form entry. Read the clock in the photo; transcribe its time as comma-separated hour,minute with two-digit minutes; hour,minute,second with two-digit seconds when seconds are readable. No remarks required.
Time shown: 3,41,57
